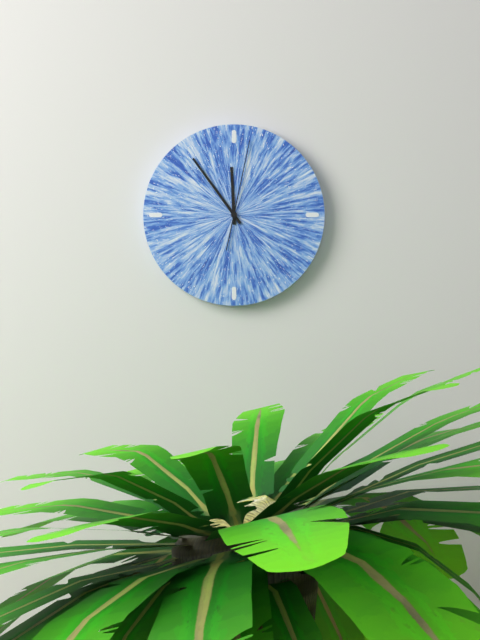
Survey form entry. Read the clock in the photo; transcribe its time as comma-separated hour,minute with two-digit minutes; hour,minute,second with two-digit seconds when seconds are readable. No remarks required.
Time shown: 11,54,02
